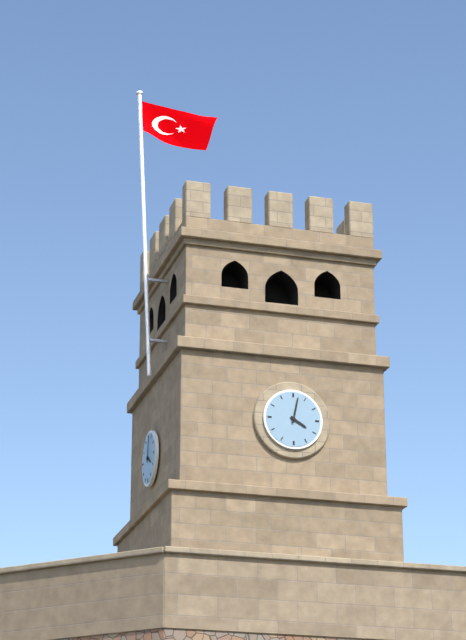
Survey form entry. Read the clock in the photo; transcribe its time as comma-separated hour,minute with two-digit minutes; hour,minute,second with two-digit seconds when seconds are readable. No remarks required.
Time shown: 4,02
